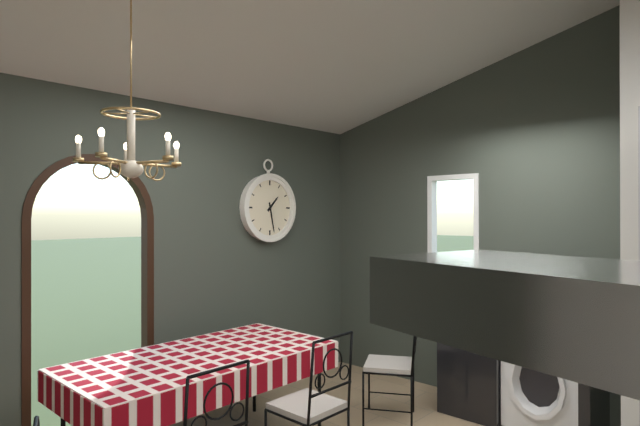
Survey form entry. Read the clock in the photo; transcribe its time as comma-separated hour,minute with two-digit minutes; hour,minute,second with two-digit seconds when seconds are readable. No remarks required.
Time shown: 1,28
